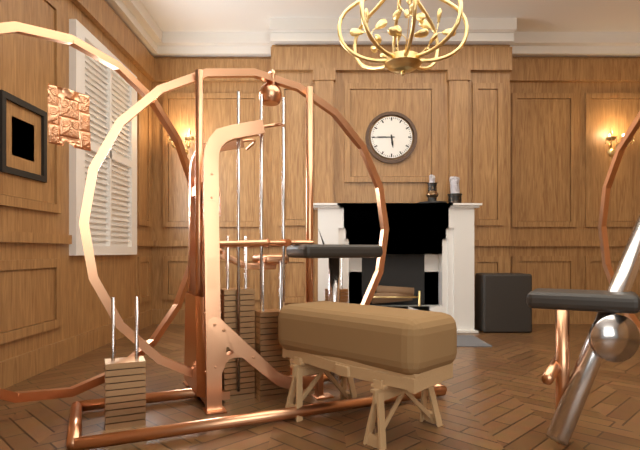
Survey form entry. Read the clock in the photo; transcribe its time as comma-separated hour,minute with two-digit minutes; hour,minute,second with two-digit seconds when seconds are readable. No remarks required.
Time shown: 5,45
